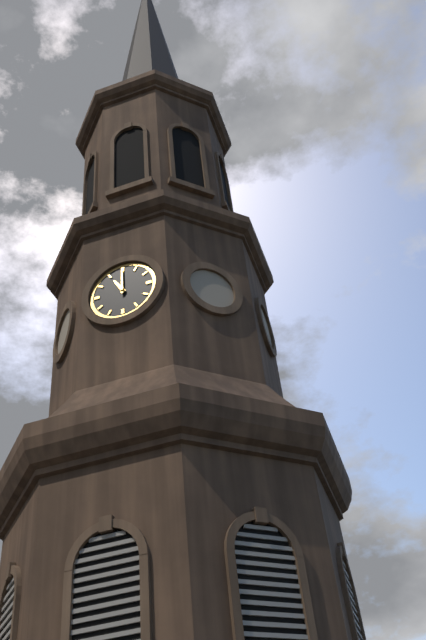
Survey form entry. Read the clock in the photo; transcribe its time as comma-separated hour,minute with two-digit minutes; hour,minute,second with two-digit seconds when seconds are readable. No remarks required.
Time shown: 11,00
